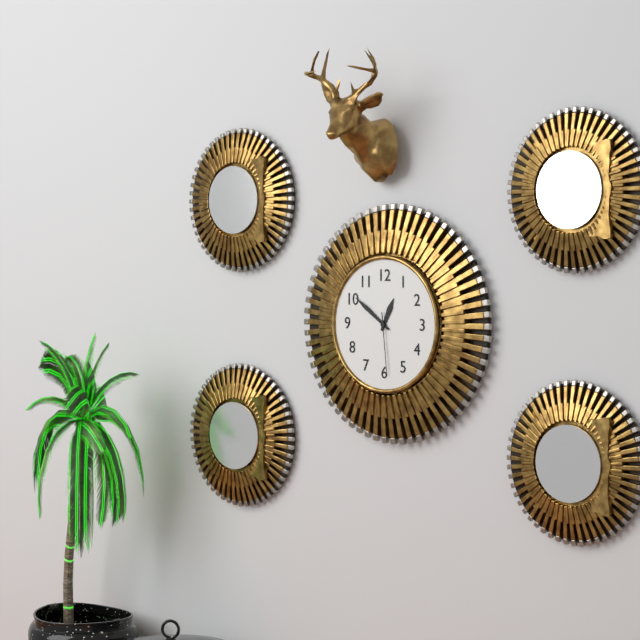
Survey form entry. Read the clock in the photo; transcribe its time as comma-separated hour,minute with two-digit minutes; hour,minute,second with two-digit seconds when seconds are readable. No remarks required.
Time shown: 12,51,29
